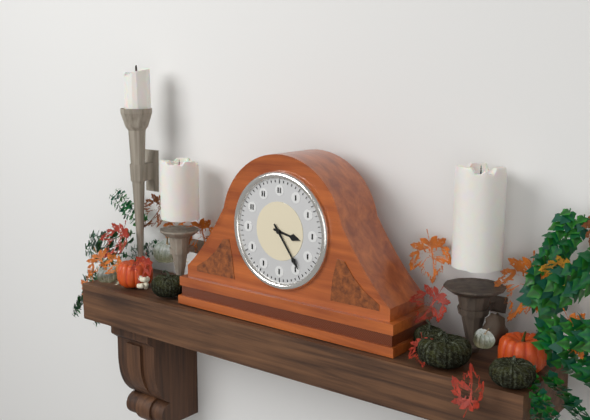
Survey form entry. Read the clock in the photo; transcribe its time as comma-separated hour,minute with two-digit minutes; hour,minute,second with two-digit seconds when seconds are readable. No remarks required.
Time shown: 3,24
